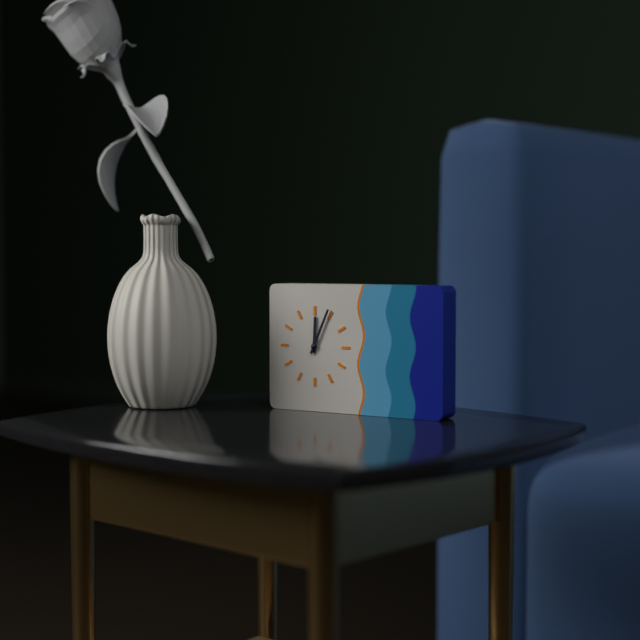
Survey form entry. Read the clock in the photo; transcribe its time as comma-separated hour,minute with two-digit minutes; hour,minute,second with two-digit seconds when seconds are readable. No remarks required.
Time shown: 12,04
